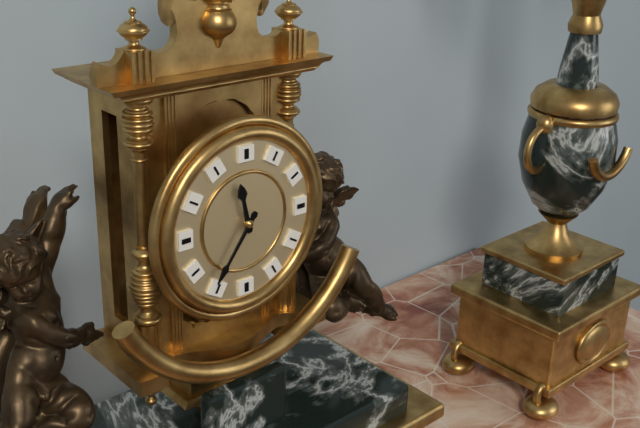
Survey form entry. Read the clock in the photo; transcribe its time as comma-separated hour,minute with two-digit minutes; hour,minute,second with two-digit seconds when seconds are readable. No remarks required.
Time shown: 11,36
